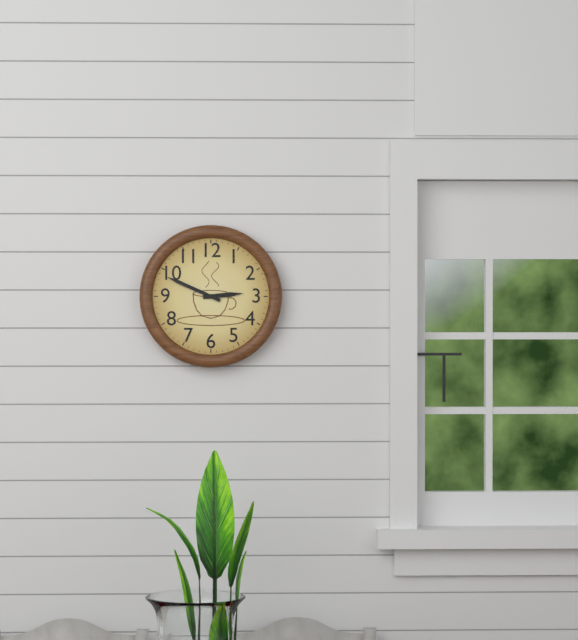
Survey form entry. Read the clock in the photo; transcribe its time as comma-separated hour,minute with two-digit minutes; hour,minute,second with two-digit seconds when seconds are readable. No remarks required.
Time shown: 2,49
